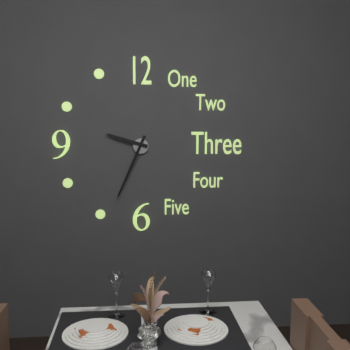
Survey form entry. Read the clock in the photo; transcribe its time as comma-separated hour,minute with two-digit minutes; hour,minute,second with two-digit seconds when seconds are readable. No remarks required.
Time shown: 9,34
